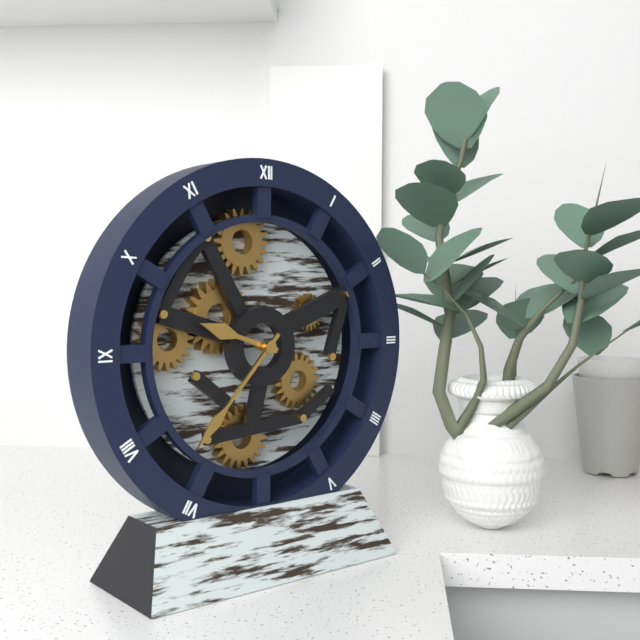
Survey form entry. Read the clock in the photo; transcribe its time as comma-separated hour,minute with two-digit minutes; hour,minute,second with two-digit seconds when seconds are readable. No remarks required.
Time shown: 9,37
